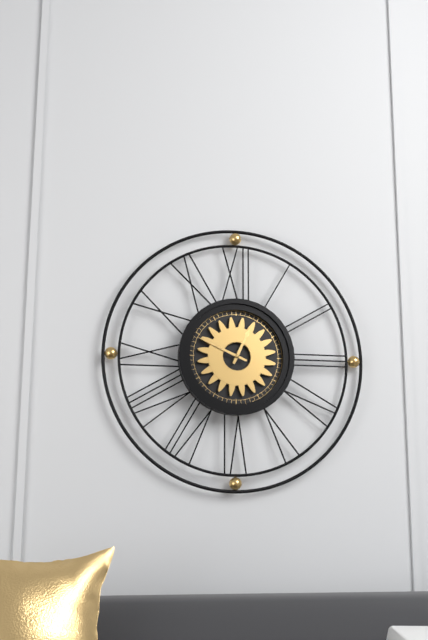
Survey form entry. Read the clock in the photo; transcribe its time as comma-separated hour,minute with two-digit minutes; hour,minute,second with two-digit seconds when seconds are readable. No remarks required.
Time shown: 12,49
